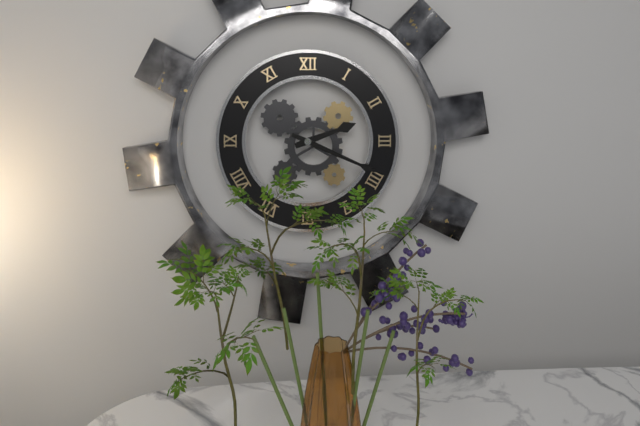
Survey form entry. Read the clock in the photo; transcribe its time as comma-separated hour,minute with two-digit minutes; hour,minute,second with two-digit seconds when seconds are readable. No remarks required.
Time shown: 2,19
